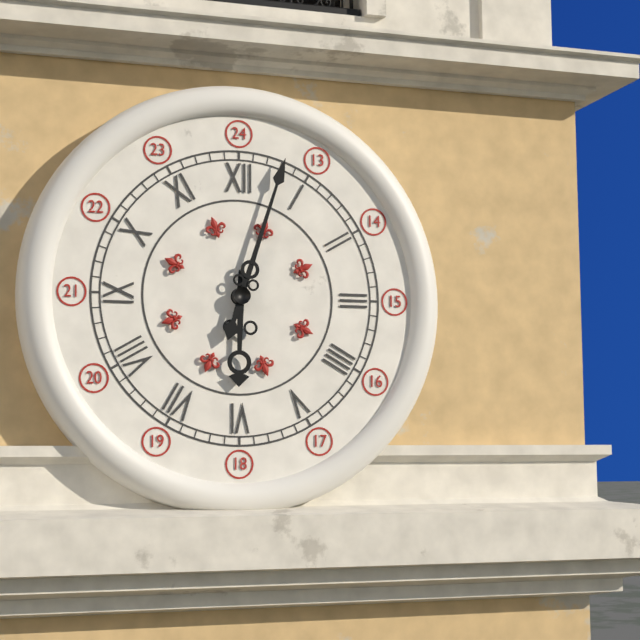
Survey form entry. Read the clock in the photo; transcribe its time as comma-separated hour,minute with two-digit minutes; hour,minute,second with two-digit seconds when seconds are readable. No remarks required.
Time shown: 6,03
